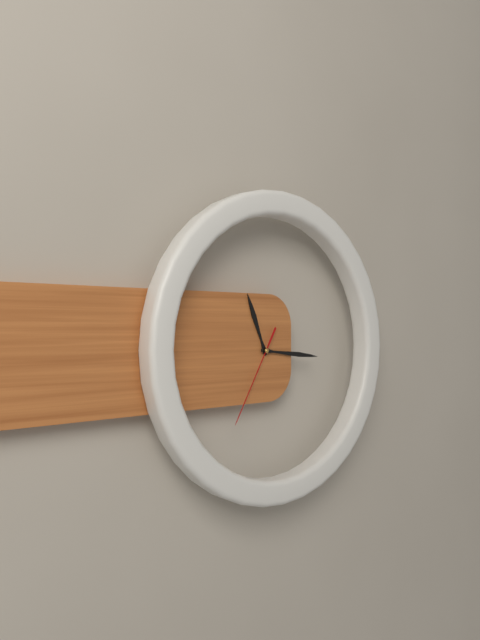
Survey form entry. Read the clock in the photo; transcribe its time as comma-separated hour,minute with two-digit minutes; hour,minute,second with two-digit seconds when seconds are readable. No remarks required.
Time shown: 11,16,35
